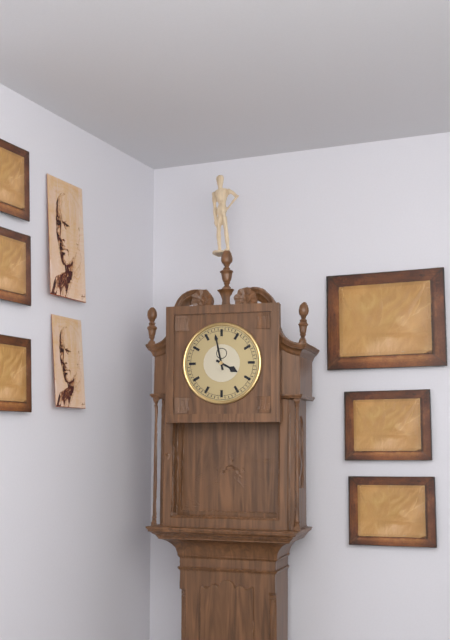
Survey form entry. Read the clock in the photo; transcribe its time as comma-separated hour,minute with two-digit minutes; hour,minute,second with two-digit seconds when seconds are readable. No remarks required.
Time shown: 3,58
